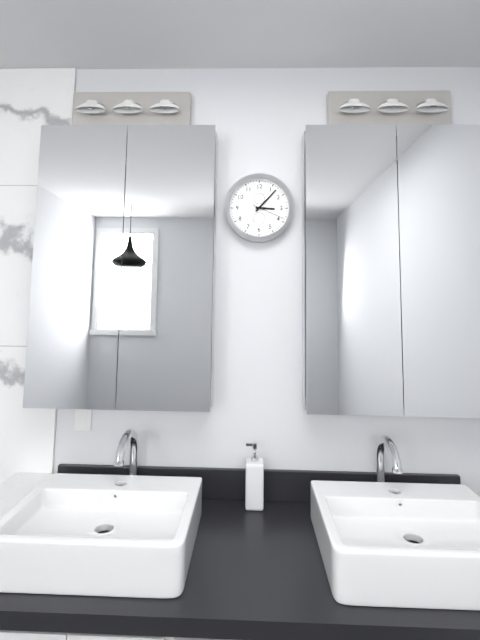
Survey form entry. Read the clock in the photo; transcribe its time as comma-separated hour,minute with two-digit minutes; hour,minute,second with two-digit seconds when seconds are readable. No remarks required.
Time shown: 3,07
